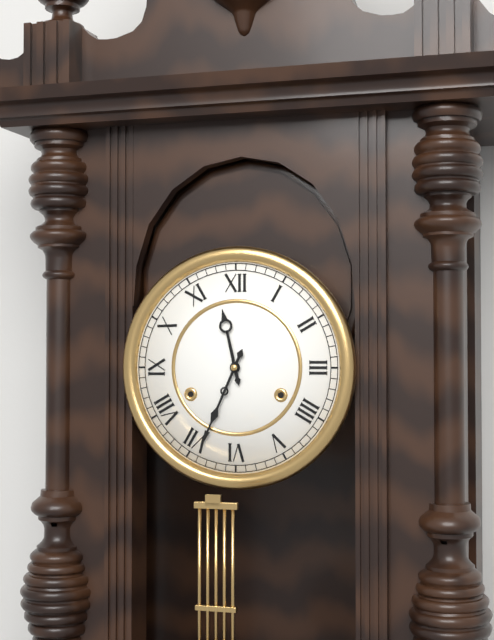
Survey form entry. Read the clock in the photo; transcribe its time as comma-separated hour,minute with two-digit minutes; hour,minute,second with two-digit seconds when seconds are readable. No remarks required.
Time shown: 11,34
